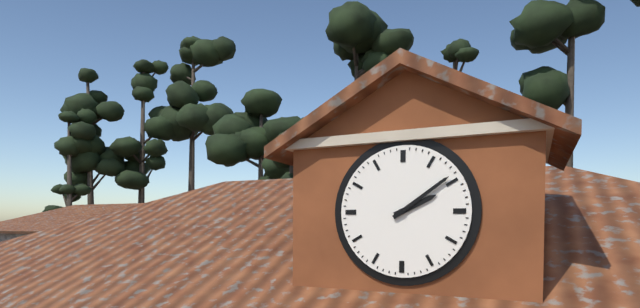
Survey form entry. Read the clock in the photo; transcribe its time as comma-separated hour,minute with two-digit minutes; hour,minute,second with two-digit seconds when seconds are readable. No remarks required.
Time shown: 2,09
